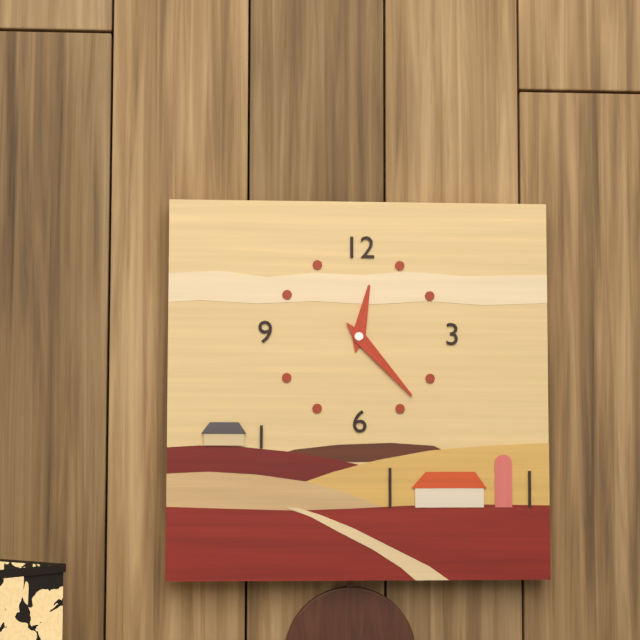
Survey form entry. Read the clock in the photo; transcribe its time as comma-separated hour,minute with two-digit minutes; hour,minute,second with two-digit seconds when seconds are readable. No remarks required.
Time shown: 12,23
